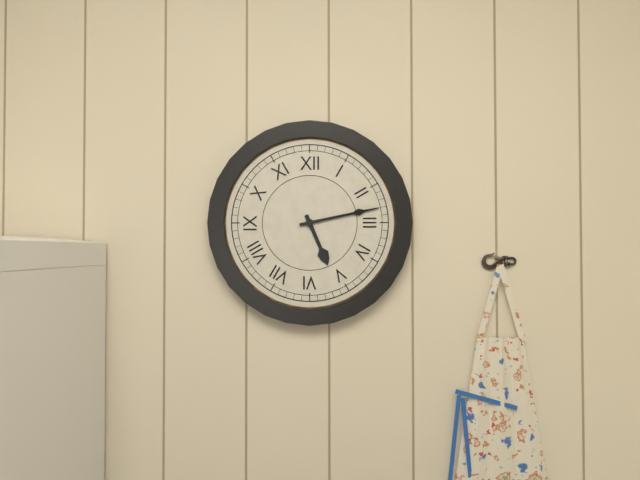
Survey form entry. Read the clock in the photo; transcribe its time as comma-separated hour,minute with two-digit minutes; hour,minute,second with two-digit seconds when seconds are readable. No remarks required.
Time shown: 5,13
